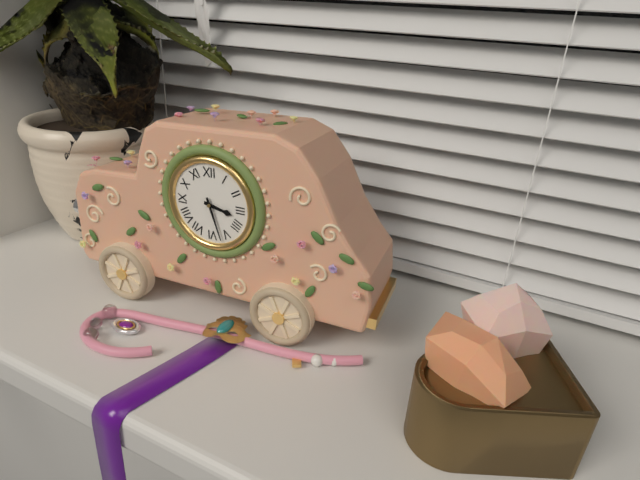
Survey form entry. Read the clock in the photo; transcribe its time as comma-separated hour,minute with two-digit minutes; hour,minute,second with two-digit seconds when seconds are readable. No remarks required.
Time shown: 3,27
